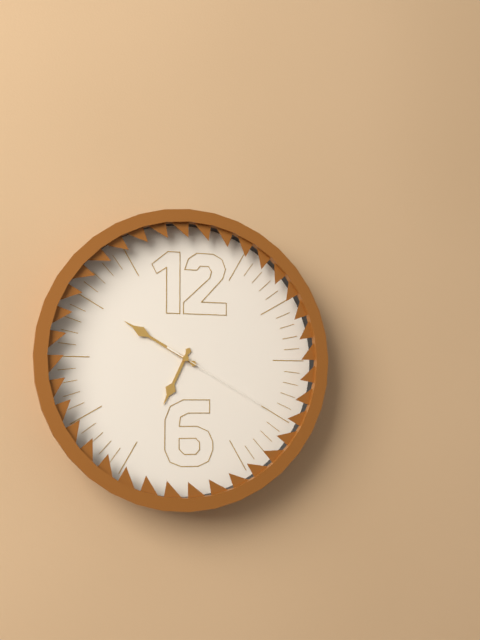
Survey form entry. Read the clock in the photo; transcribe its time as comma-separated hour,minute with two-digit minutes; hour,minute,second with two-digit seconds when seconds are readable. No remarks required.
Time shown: 6,50,20
